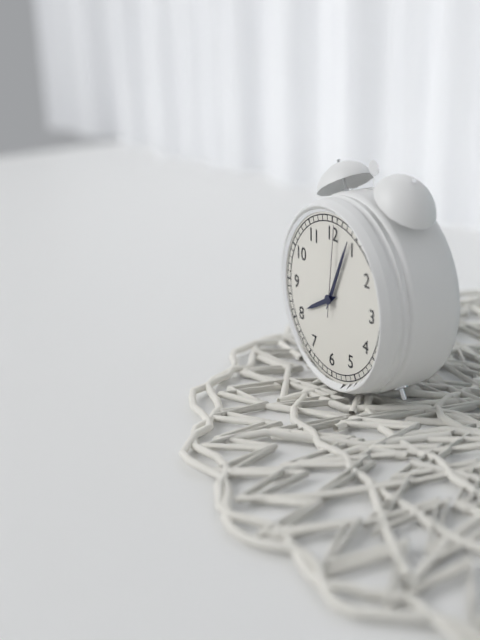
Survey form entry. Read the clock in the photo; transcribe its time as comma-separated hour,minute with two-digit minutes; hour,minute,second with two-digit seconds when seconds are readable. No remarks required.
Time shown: 8,04,01
